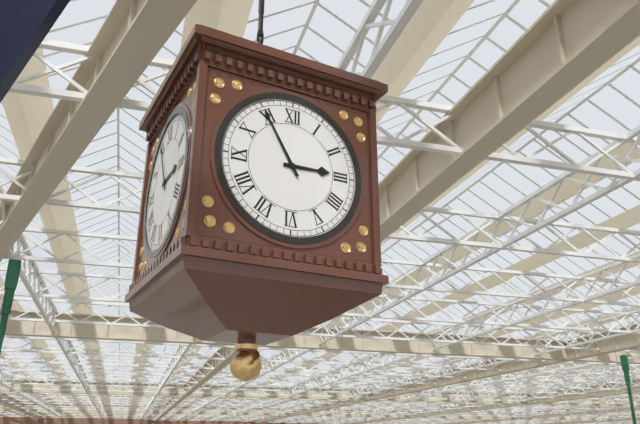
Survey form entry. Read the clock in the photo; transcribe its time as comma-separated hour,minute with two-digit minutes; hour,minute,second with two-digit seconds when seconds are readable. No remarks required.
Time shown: 2,55
